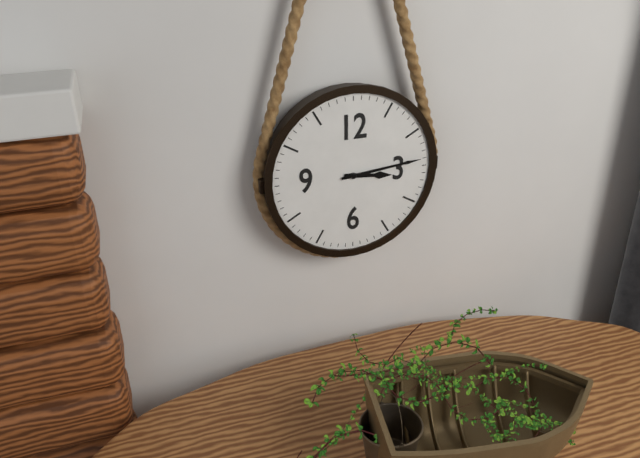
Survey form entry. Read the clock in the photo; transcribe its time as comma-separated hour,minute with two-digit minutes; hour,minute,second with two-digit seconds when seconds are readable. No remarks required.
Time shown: 3,14
